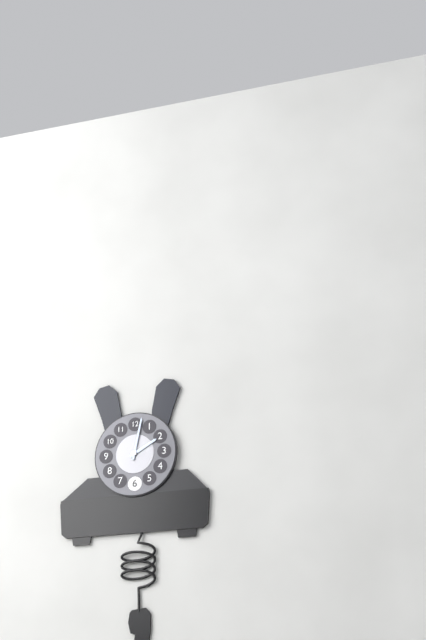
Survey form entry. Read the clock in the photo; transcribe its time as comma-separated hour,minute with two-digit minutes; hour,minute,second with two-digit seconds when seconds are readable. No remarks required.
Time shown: 2,02
